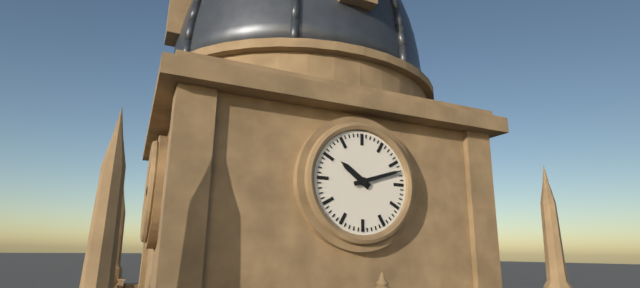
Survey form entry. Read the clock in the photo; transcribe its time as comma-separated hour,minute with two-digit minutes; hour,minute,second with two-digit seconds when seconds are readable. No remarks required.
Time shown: 10,12
